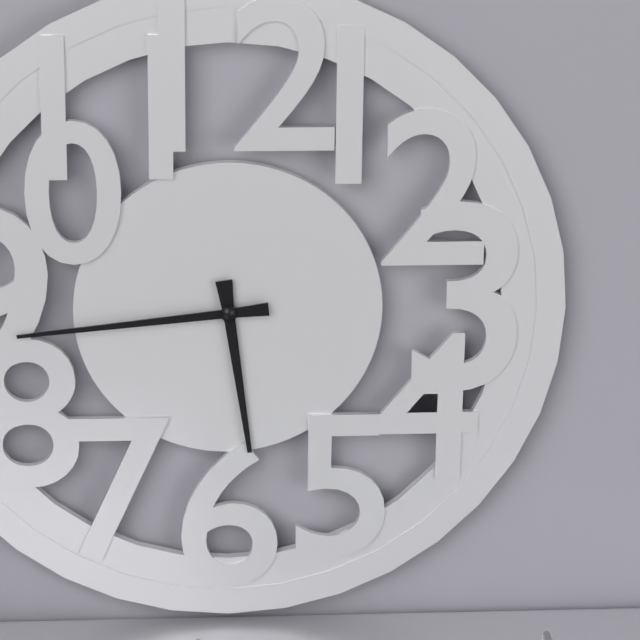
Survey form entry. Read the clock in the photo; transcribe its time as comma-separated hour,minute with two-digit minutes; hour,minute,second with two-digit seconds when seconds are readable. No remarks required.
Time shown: 5,44
